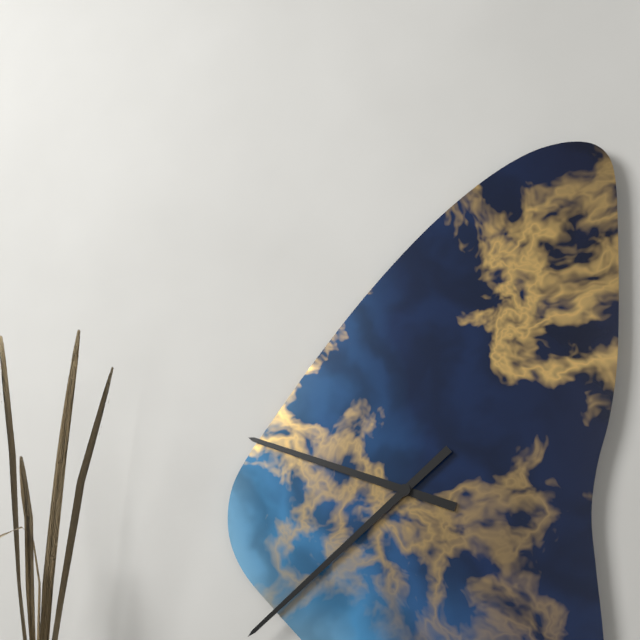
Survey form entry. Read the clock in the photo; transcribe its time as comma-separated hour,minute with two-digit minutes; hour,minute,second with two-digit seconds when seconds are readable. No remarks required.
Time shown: 9,38
